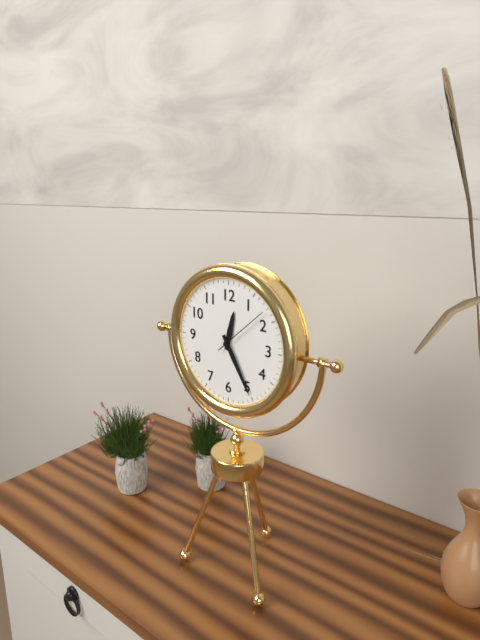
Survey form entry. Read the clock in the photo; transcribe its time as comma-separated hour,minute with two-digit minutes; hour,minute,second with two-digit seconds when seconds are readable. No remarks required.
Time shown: 12,25,08
